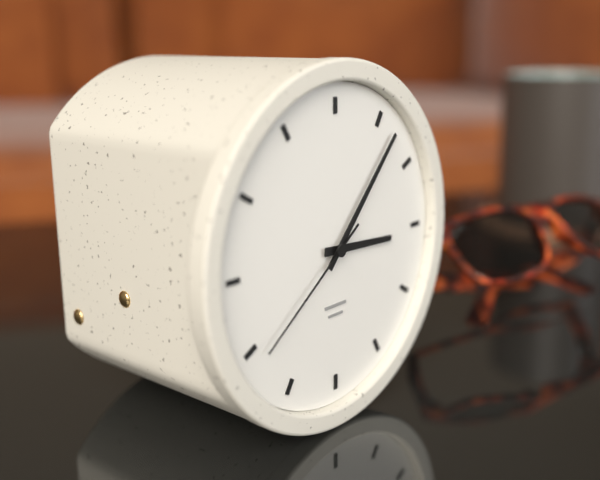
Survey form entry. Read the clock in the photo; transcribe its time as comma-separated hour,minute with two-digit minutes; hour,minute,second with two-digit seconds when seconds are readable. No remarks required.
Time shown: 3,07,39
